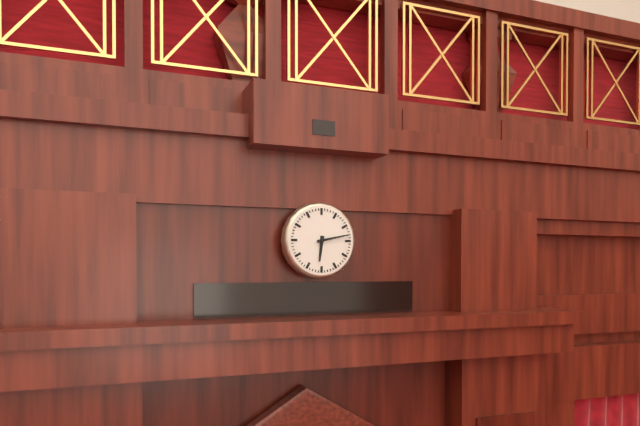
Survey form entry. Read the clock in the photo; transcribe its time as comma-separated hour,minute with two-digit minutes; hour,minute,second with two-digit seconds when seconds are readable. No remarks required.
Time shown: 6,13
